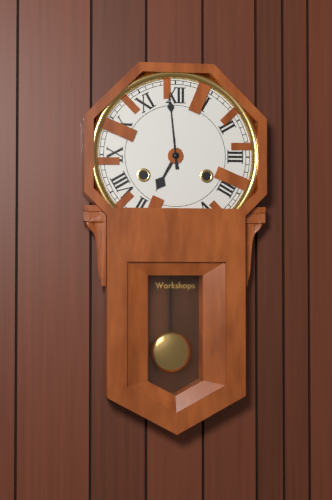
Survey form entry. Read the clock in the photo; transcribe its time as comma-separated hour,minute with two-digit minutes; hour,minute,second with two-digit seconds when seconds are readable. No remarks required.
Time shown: 6,59
